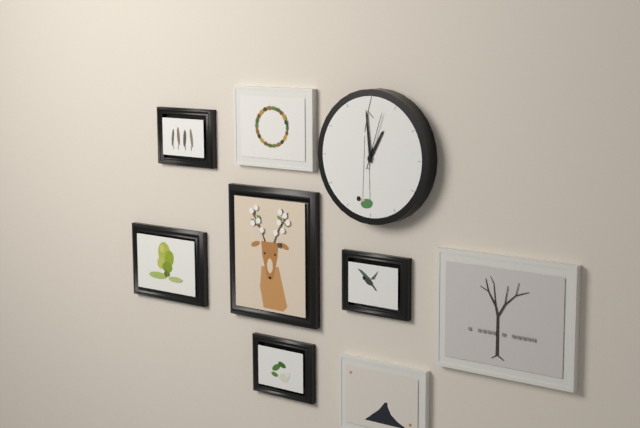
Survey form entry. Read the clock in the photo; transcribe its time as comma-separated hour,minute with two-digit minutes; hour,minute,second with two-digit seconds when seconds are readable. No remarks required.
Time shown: 12,59,03
